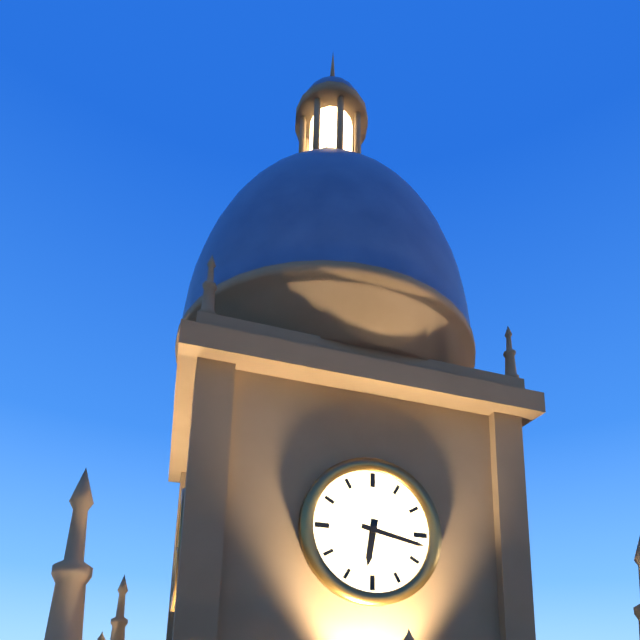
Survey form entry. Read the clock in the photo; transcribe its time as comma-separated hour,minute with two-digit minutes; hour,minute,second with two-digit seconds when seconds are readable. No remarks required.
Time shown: 6,17
